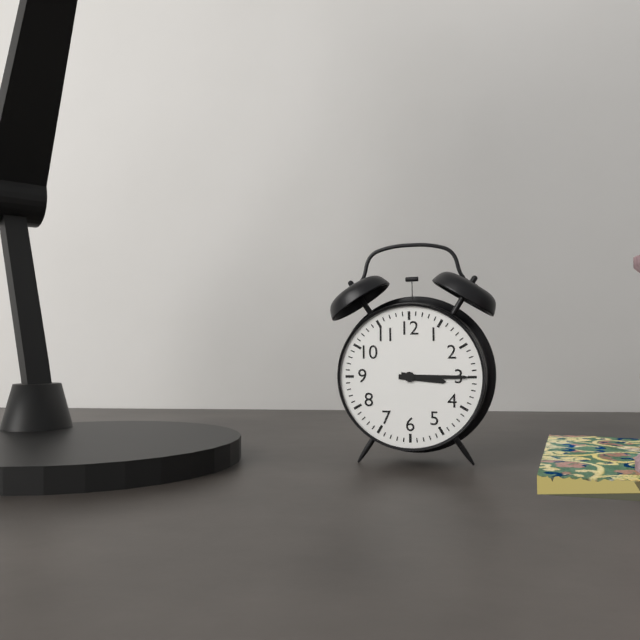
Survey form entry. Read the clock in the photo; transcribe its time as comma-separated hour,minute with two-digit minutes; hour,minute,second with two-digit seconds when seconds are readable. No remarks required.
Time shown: 3,15
